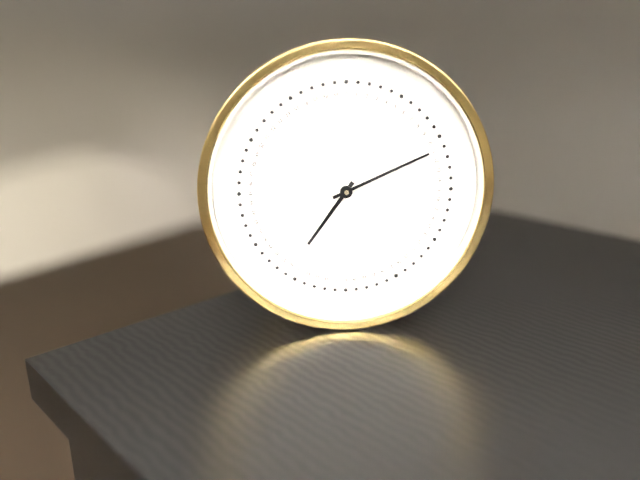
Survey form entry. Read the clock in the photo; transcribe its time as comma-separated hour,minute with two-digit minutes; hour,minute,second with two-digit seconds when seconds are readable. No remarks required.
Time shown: 7,11
